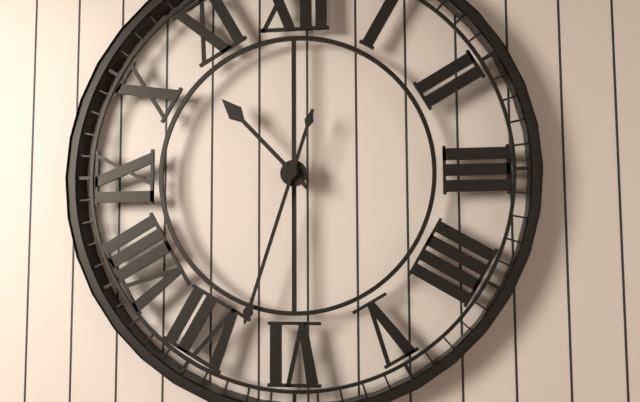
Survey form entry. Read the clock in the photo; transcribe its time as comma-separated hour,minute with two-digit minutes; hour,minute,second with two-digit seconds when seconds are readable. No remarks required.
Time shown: 10,33
